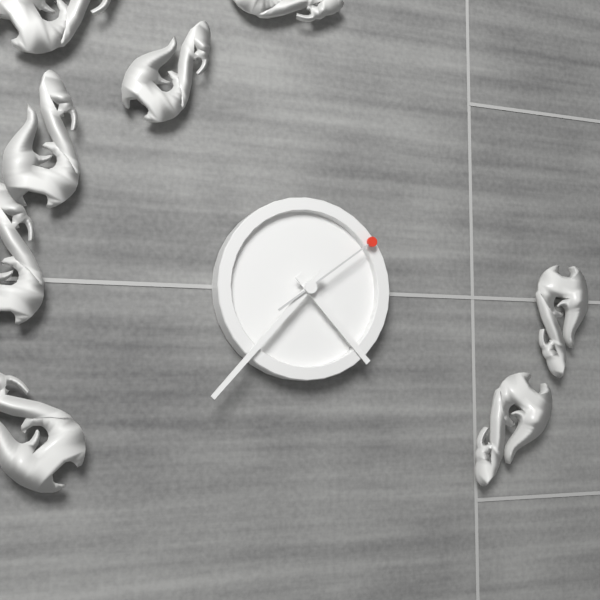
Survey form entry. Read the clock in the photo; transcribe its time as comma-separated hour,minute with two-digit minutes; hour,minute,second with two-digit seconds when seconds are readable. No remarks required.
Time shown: 4,37,09
